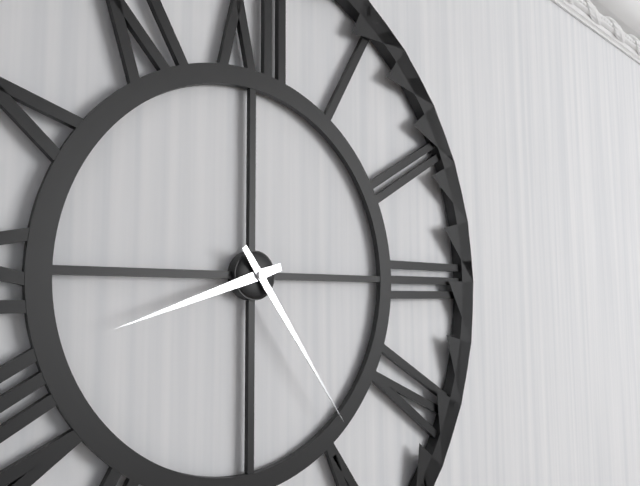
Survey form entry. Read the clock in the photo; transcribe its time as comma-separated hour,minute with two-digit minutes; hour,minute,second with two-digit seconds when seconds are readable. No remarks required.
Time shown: 8,24
